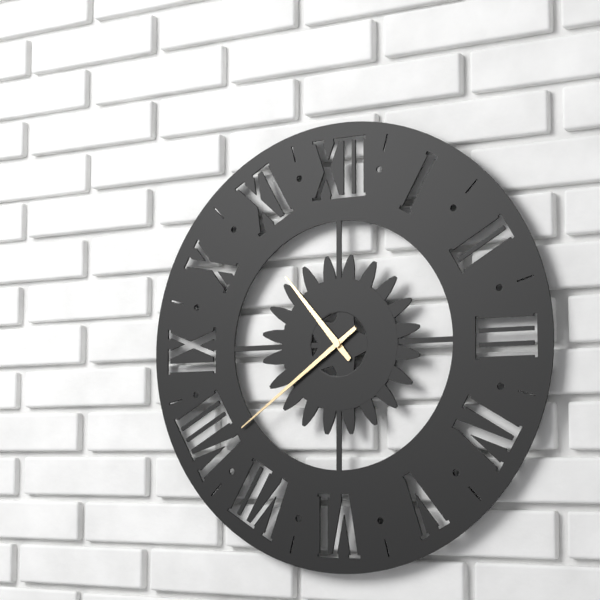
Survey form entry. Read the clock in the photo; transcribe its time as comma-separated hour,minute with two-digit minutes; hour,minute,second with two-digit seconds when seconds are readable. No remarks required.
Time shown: 10,39
